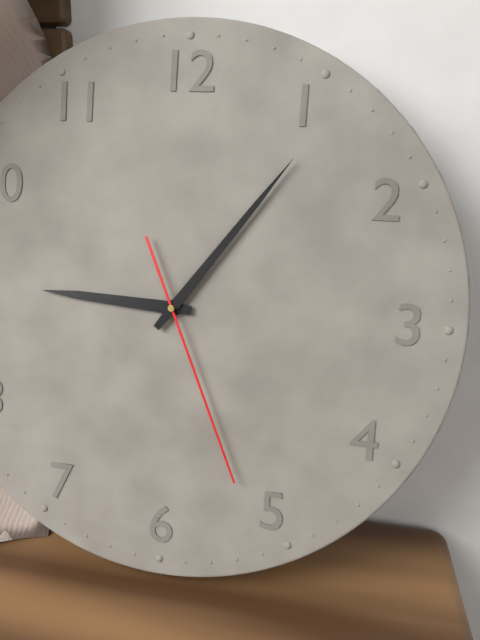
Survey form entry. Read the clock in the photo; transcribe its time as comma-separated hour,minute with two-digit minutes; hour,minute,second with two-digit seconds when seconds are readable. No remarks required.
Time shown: 9,06,26
